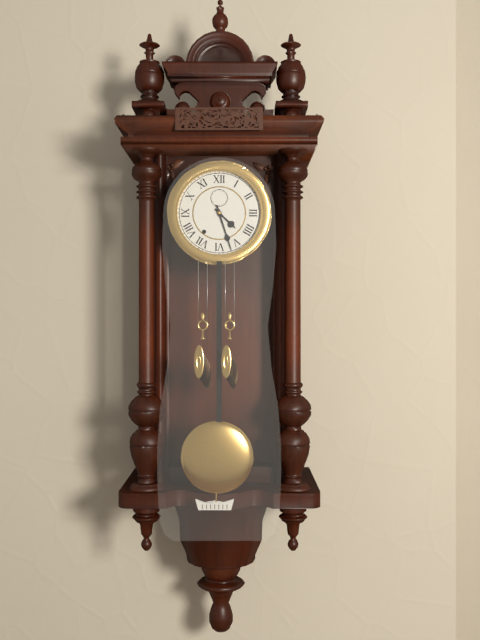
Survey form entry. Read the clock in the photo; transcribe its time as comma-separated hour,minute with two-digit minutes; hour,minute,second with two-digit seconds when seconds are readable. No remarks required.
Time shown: 4,27
